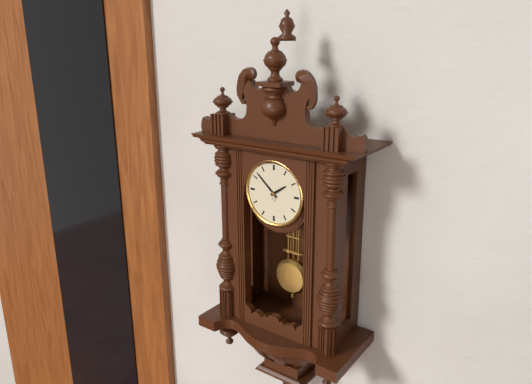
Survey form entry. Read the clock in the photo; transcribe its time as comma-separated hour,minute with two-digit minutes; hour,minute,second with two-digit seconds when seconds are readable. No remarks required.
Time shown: 1,52
